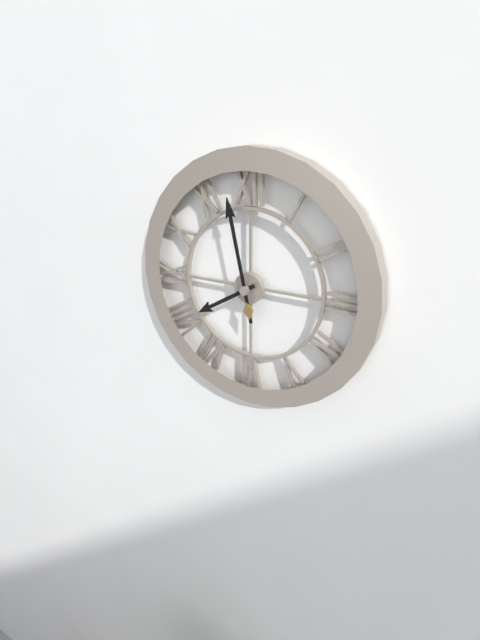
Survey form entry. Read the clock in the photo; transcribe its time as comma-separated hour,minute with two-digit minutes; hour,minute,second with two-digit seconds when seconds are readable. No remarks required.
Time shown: 7,58
